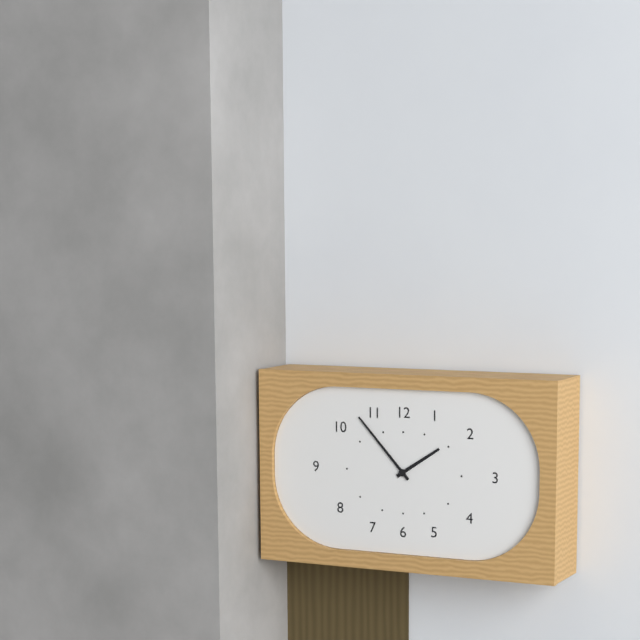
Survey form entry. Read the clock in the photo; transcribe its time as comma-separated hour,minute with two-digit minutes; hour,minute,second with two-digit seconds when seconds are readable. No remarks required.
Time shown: 1,53
